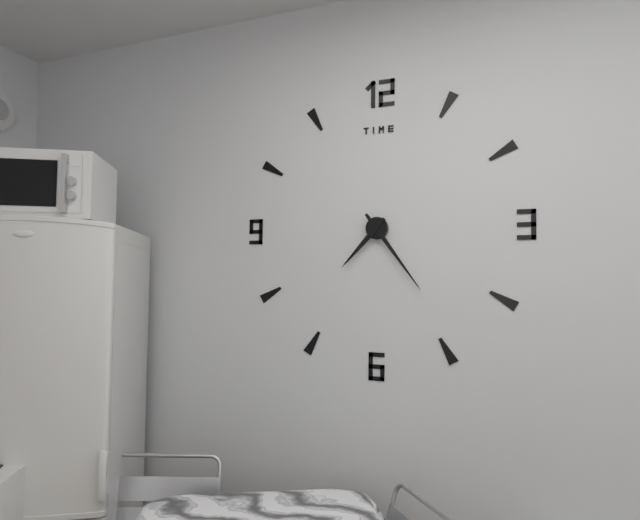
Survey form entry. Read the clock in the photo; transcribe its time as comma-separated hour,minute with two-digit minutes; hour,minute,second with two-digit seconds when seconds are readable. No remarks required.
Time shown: 7,24
